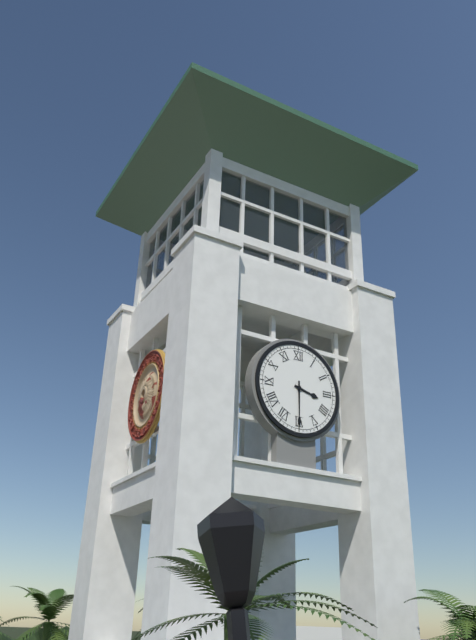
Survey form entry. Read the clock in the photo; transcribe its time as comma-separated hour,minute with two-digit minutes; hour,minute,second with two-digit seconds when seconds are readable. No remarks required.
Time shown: 3,30
